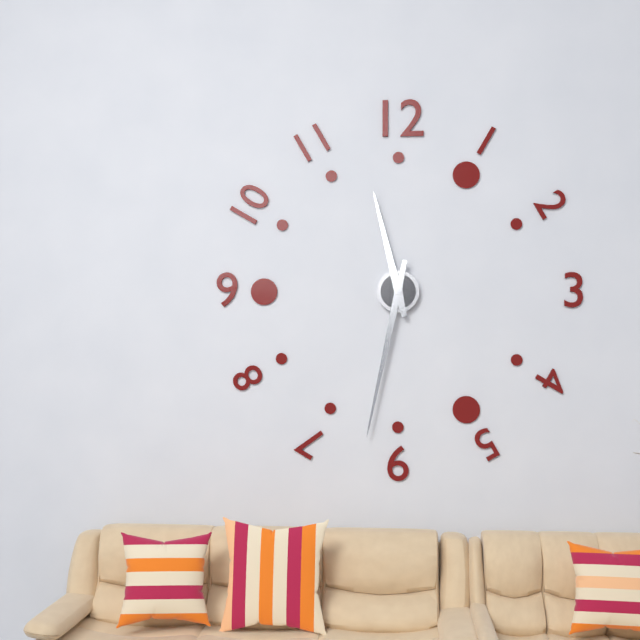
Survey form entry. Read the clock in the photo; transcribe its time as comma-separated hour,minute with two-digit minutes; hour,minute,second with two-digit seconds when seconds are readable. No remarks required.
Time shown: 11,32
